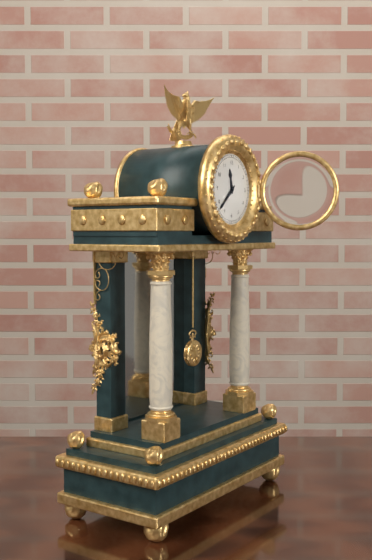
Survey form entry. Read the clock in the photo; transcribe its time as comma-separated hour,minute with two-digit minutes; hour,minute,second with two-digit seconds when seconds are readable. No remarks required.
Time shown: 11,38
